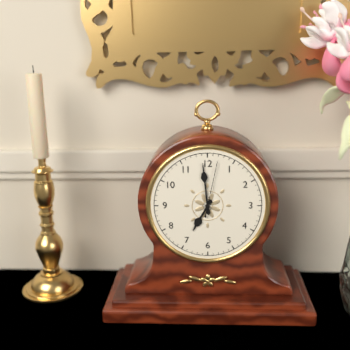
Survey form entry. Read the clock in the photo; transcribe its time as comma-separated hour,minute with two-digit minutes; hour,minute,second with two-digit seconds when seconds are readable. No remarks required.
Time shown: 6,59,02
